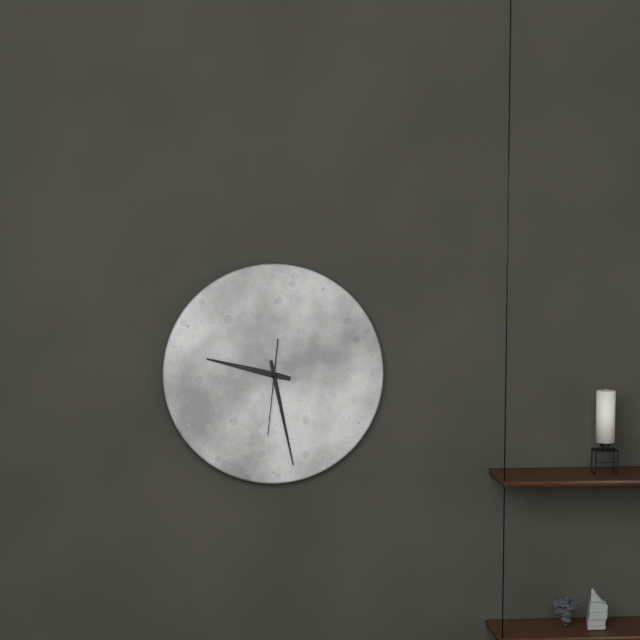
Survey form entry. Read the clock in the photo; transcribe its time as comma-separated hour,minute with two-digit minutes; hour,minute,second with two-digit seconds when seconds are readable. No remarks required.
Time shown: 9,28,31
